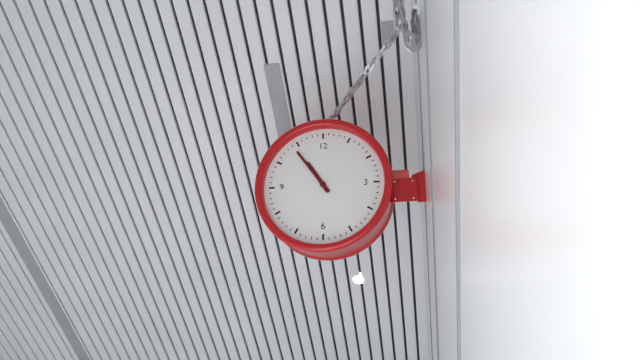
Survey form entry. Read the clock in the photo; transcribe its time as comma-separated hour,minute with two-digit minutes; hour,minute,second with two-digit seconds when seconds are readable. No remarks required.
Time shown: 10,54
